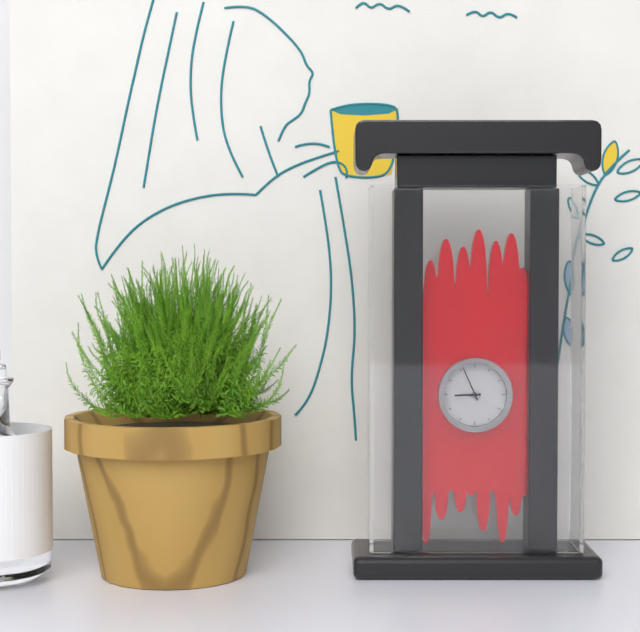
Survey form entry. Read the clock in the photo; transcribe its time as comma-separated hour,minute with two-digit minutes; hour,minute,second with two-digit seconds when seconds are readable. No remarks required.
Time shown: 8,56
